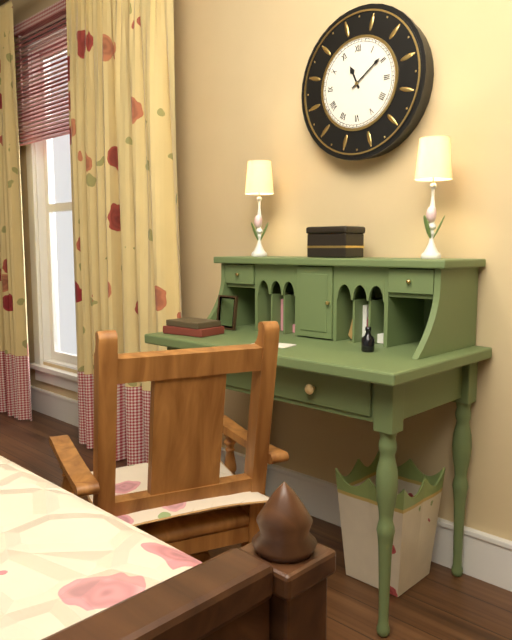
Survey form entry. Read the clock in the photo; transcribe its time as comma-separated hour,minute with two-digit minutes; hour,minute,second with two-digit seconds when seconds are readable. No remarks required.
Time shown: 11,09
